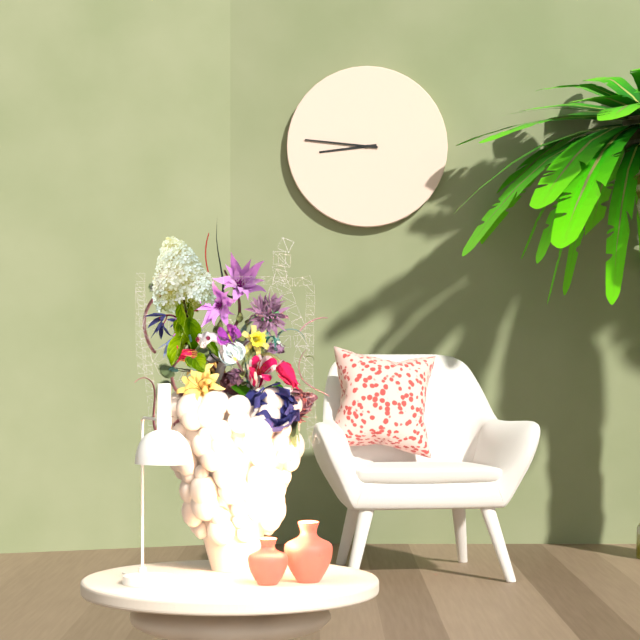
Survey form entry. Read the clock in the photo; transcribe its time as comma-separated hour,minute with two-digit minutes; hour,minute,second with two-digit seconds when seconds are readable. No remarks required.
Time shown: 8,46
